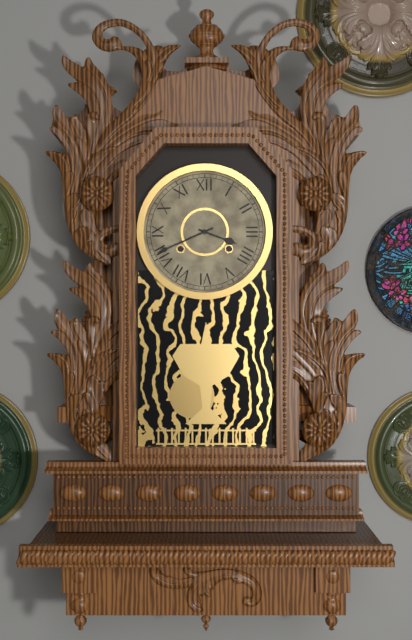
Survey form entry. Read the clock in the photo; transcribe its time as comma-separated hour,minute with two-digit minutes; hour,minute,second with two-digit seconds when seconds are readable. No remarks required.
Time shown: 3,41
